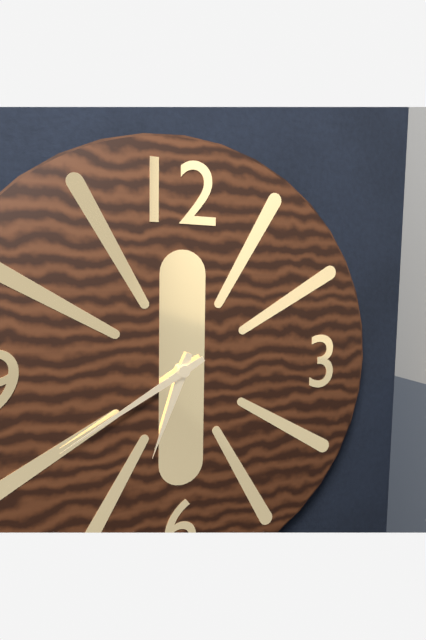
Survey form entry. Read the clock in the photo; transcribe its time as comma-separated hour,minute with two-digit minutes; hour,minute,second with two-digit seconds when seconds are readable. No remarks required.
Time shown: 6,40
